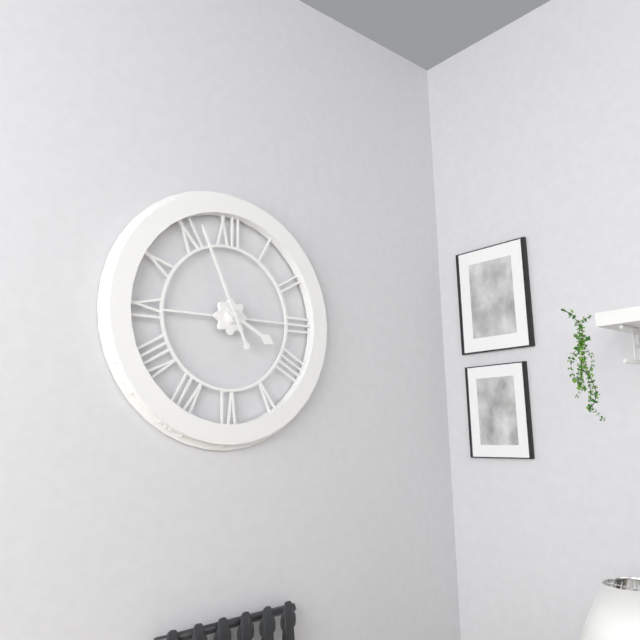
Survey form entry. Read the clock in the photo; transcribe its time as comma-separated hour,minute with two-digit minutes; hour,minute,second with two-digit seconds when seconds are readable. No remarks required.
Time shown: 3,56
